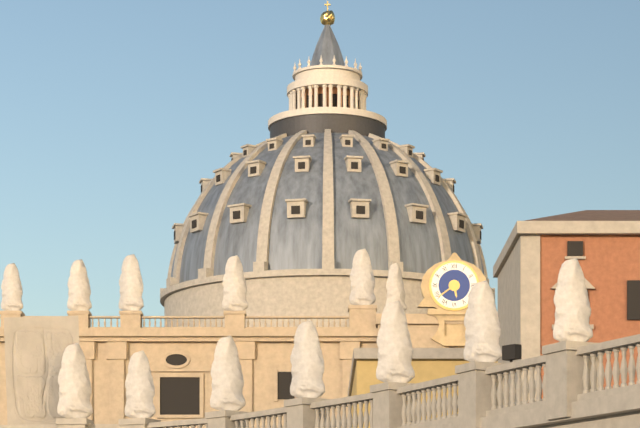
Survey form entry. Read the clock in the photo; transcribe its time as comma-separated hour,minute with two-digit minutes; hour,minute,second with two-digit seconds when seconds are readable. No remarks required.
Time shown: 5,39
